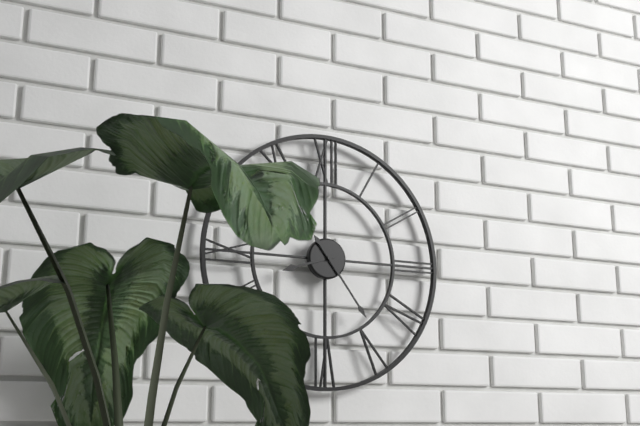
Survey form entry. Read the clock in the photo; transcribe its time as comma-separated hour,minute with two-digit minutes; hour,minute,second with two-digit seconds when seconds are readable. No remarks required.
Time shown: 8,24
